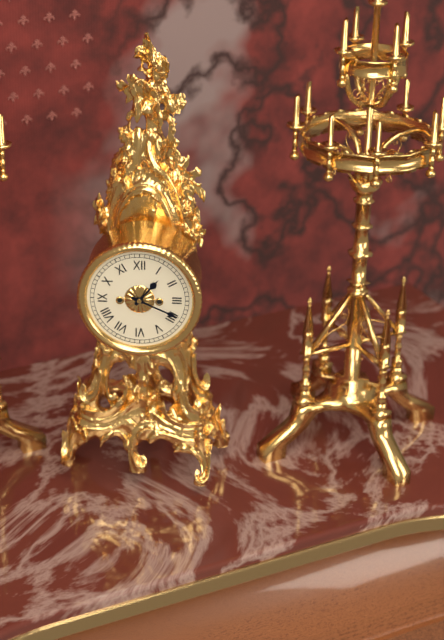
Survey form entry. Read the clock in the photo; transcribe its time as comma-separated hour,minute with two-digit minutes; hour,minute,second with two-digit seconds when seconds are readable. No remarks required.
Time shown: 1,19
